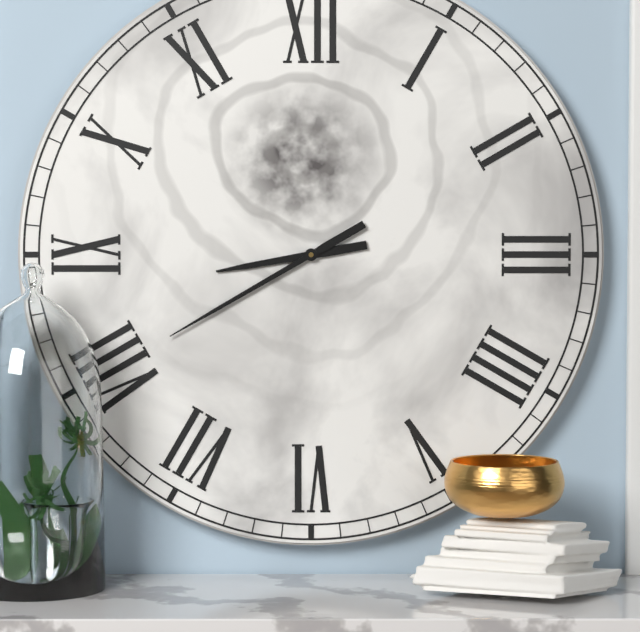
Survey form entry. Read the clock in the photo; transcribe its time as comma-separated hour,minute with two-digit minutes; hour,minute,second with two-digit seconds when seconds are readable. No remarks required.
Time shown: 8,40
